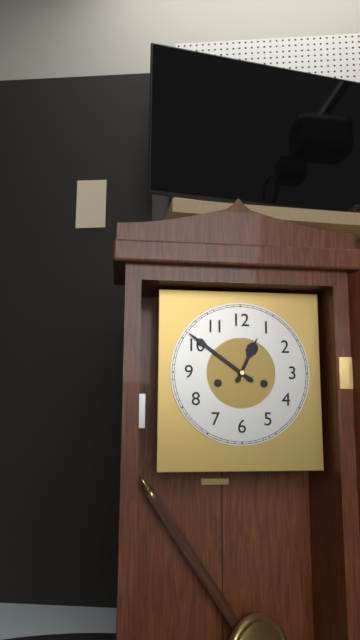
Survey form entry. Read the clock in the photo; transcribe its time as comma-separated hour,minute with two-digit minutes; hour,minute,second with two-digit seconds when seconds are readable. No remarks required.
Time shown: 12,51
